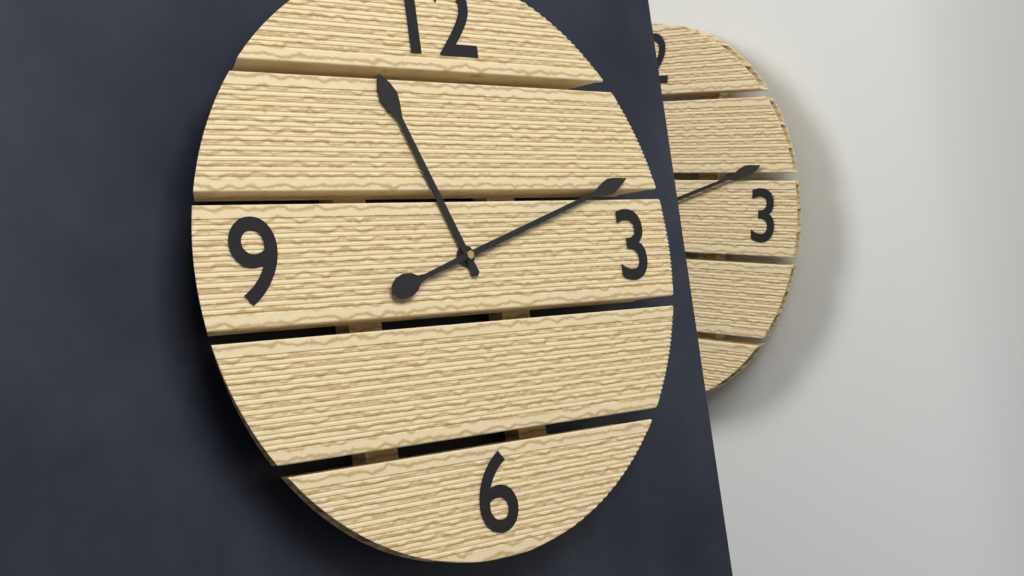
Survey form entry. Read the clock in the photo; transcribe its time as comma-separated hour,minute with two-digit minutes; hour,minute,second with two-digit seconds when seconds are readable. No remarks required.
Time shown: 11,12
